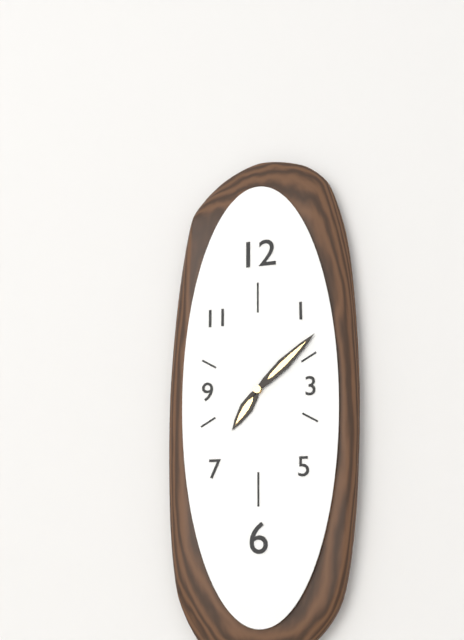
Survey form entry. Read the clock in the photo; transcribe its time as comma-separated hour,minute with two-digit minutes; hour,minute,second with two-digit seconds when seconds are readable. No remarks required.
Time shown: 7,08
